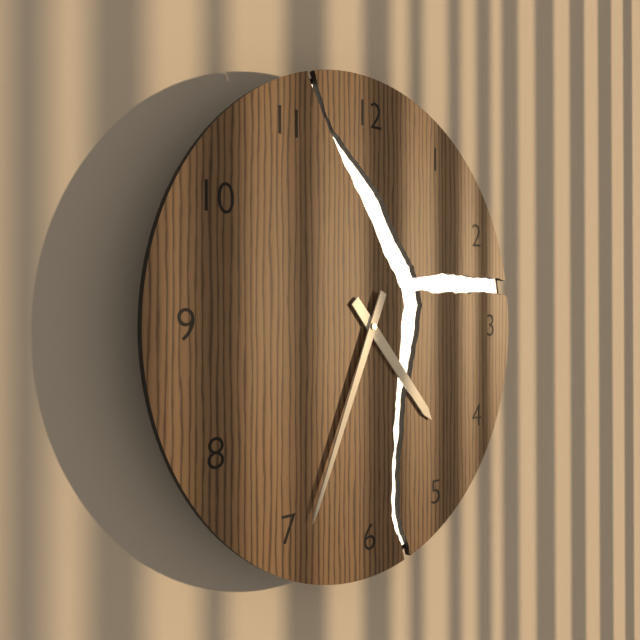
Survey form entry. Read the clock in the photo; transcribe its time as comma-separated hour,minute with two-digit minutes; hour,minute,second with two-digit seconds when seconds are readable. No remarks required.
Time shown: 4,34
